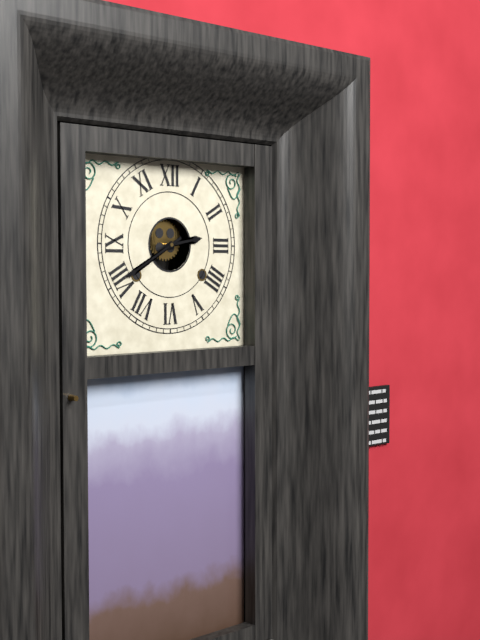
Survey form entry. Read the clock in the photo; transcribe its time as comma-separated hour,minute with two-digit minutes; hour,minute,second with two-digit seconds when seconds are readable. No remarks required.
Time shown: 2,40
